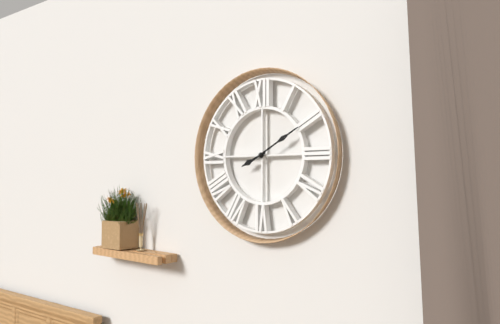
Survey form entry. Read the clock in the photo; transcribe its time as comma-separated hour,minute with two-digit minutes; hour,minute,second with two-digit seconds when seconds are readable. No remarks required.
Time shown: 8,10
